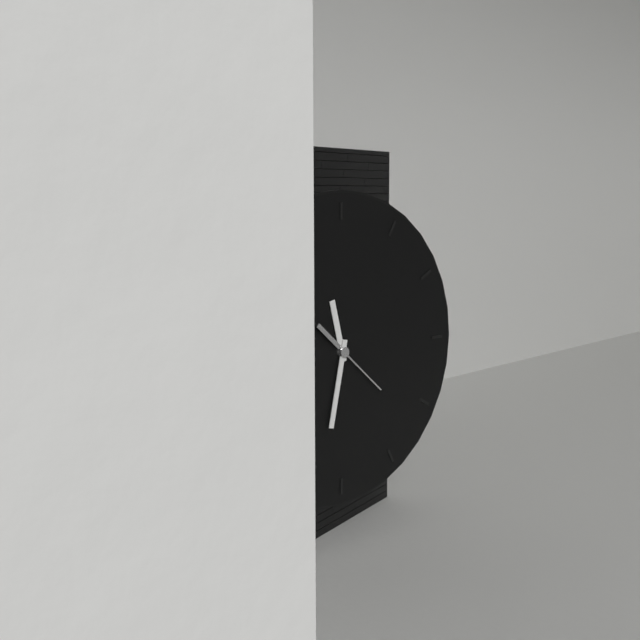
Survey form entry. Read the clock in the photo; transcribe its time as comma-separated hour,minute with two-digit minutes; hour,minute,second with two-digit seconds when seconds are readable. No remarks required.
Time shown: 11,32,22
